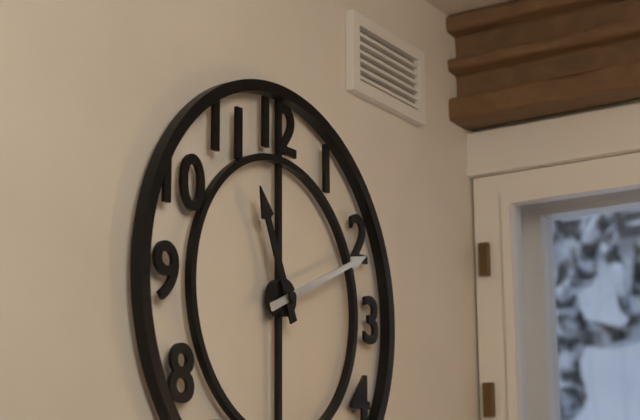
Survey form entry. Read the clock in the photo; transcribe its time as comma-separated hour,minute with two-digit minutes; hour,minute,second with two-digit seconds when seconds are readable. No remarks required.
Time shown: 11,11
